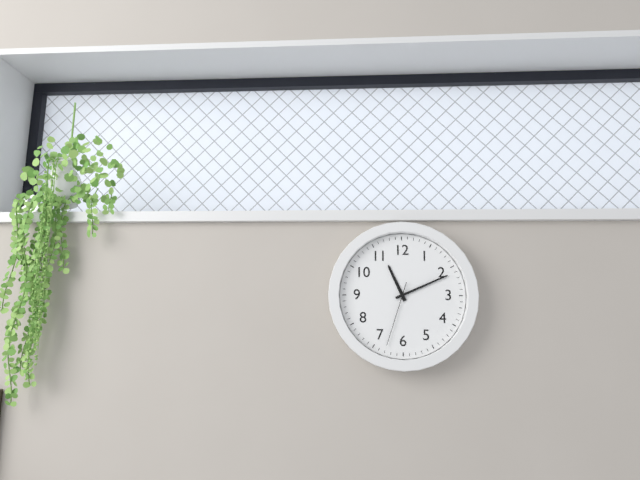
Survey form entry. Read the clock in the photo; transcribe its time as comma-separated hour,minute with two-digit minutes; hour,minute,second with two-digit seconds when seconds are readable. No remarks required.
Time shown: 11,11,33
